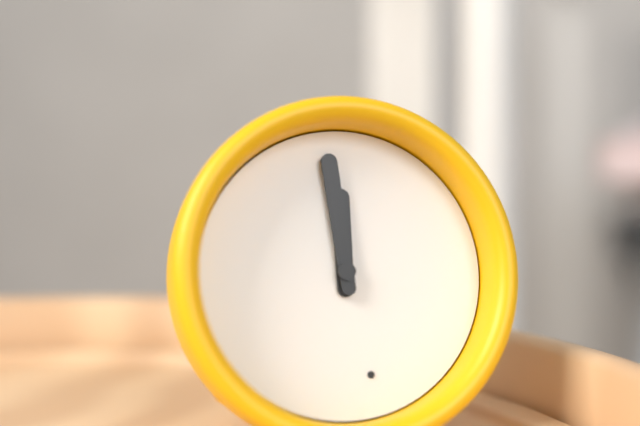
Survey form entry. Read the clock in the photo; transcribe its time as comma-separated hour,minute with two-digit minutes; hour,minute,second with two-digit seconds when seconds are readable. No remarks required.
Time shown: 11,59
